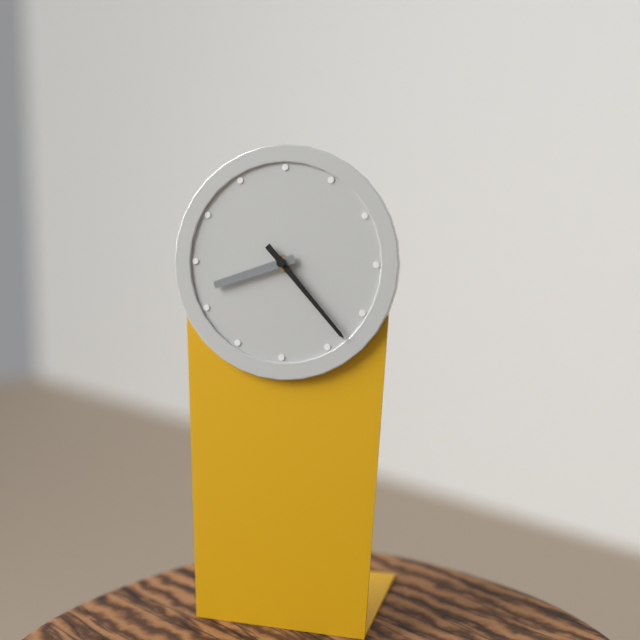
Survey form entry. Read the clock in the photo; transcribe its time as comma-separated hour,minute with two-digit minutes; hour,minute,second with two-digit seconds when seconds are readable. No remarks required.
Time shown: 8,23
